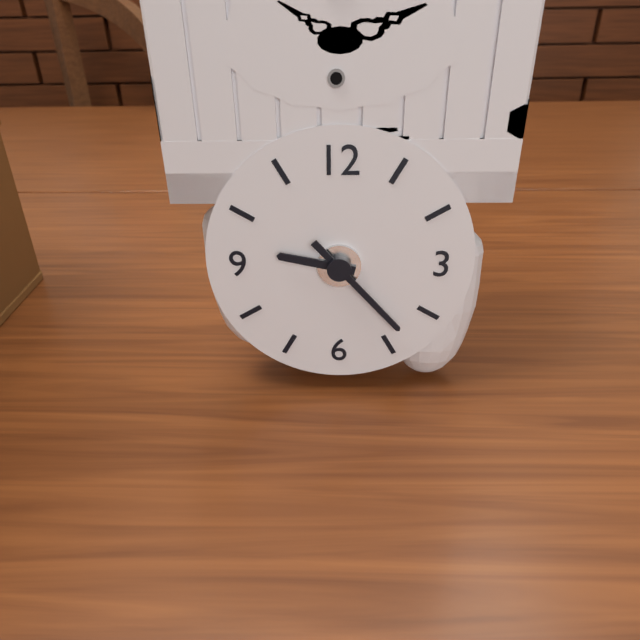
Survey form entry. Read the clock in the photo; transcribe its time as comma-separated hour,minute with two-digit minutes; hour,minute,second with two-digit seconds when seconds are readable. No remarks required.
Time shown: 9,23
